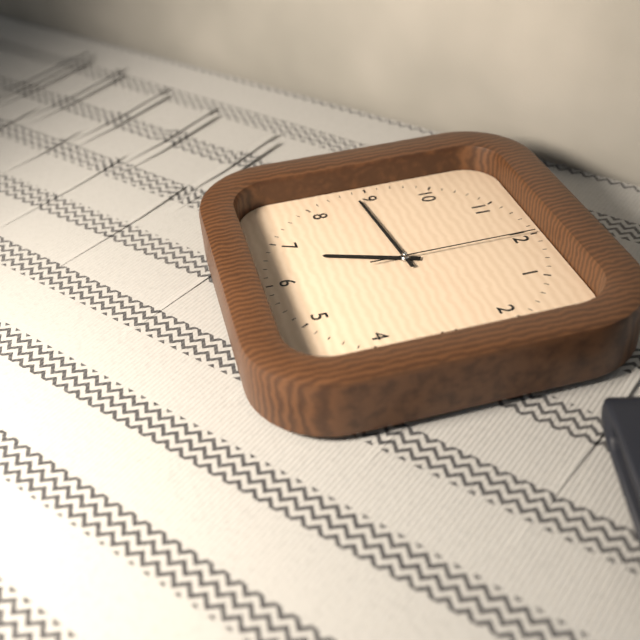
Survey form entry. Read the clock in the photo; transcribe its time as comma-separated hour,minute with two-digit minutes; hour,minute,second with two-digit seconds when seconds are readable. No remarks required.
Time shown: 6,44,00
